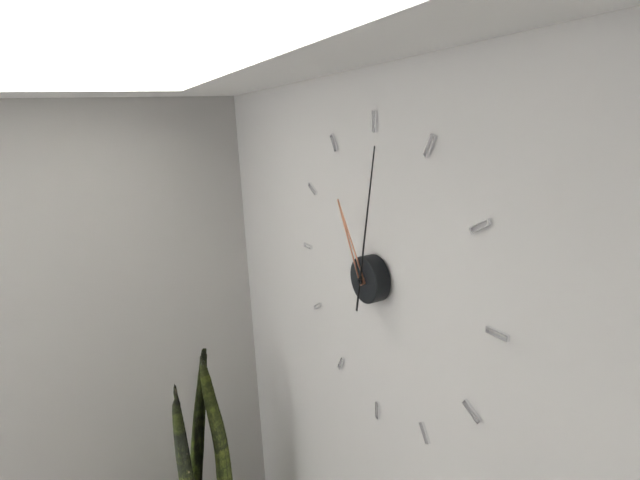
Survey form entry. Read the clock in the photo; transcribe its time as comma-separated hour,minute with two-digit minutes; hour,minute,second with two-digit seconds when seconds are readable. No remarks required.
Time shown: 11,02
